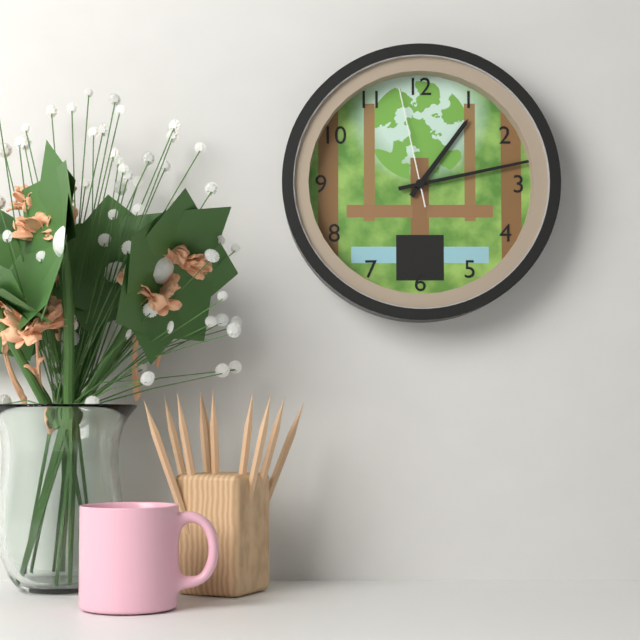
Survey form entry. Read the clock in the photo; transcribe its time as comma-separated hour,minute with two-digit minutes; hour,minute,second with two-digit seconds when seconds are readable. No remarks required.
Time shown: 1,13,58
